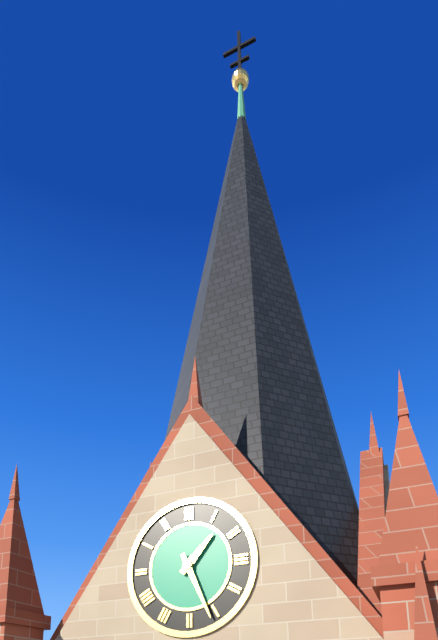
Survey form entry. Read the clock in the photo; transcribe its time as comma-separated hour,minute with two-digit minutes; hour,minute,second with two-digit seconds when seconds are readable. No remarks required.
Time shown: 1,26
